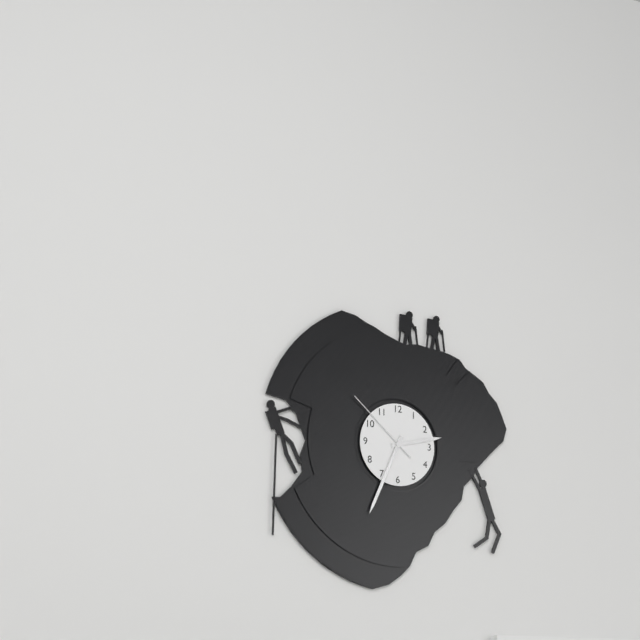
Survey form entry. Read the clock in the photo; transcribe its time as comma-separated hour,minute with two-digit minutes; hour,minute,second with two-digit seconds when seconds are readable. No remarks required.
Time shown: 2,34,52
